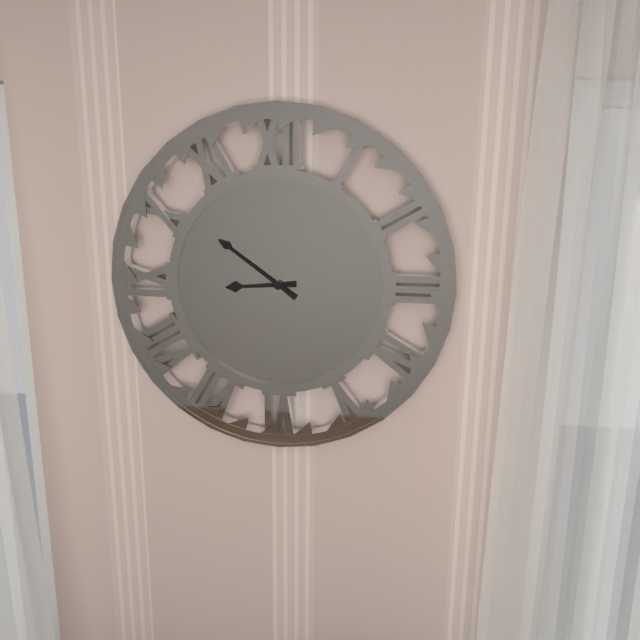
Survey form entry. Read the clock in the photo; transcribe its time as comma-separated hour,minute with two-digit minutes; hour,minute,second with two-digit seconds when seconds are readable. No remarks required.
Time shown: 8,51
